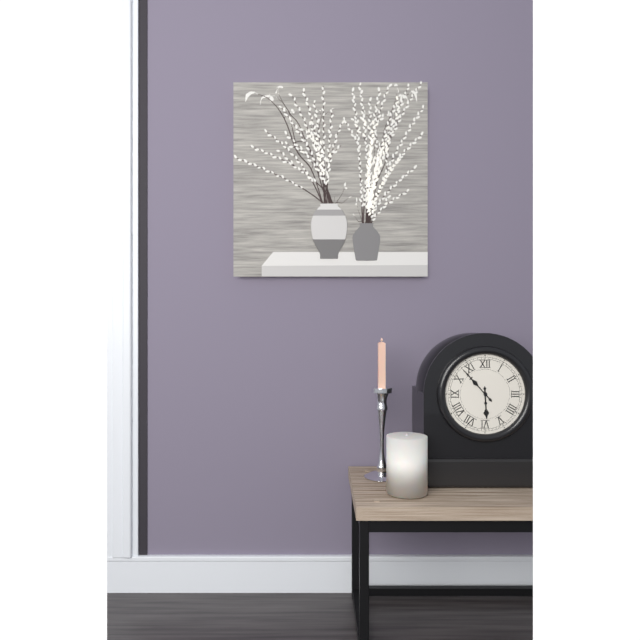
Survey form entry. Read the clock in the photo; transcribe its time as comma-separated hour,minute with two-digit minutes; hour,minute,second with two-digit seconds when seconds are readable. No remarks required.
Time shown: 5,53
